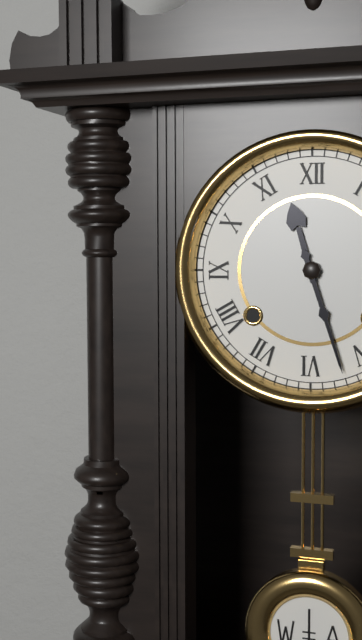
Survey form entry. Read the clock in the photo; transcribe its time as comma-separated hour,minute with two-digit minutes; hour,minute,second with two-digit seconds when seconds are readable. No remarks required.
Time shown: 11,27
